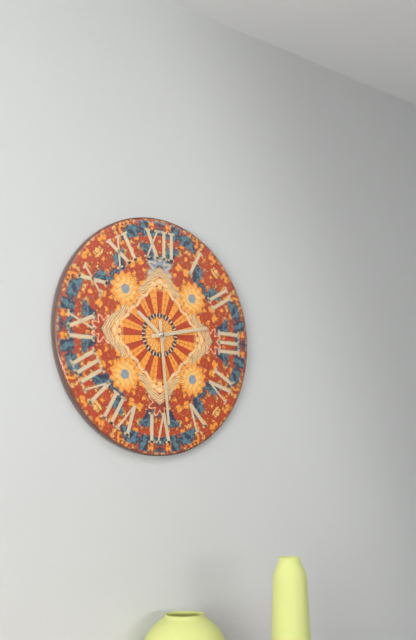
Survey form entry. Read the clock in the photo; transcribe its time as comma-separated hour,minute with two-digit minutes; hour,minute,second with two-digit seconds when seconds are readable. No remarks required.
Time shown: 10,13,29
